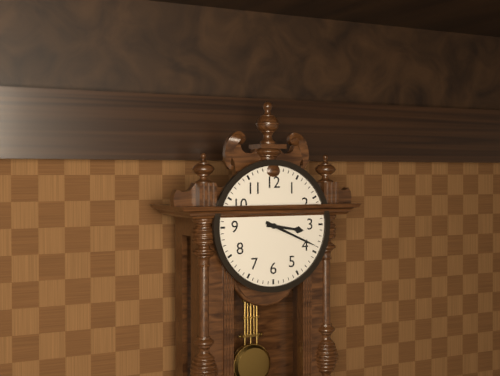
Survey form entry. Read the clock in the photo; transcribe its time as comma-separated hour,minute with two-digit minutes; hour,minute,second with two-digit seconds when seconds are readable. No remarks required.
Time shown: 3,19
